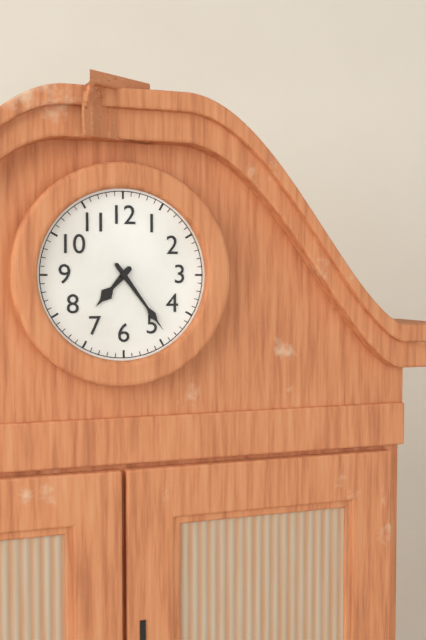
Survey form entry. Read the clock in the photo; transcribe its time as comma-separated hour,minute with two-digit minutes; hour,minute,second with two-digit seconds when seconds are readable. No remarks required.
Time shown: 7,24
